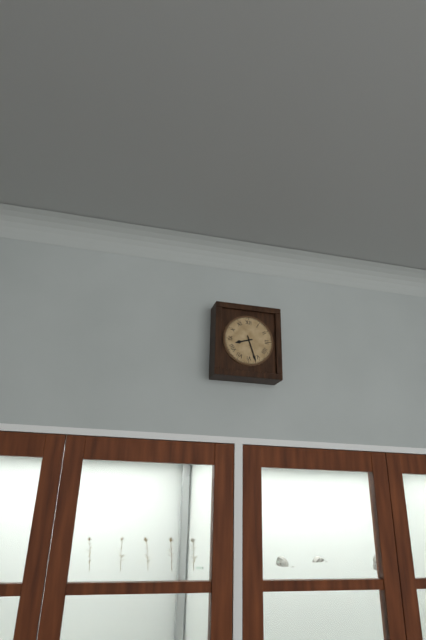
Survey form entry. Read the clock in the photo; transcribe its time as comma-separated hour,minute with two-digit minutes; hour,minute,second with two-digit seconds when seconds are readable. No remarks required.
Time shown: 8,27
